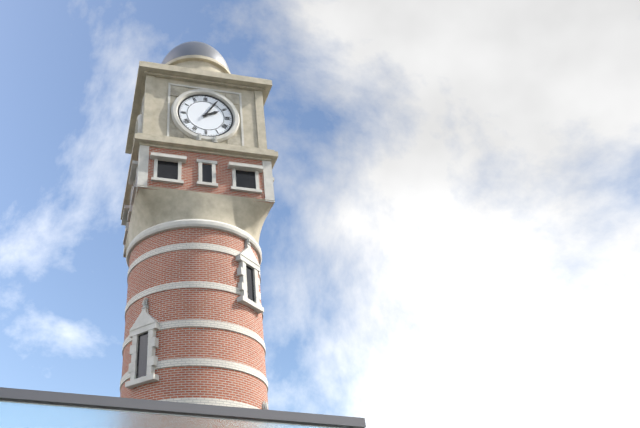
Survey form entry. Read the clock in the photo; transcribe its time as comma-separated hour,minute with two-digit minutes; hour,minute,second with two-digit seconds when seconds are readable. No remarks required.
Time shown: 2,05
